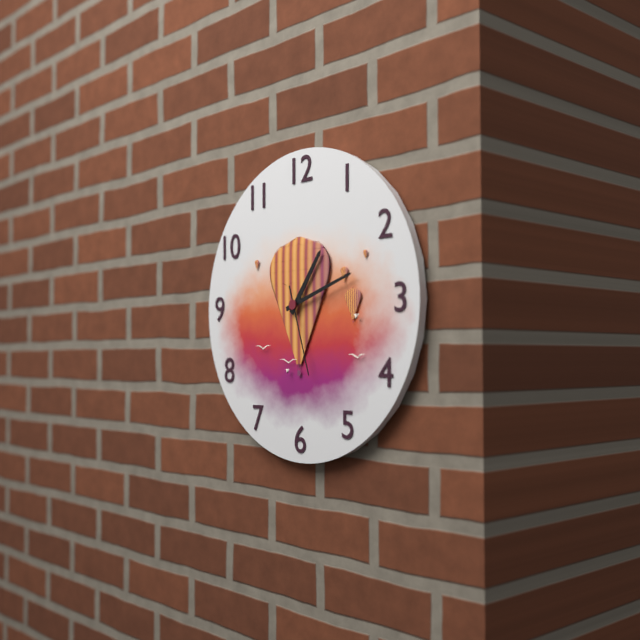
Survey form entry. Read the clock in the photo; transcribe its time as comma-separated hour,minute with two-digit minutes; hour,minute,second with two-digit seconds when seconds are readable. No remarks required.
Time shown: 1,12,27
